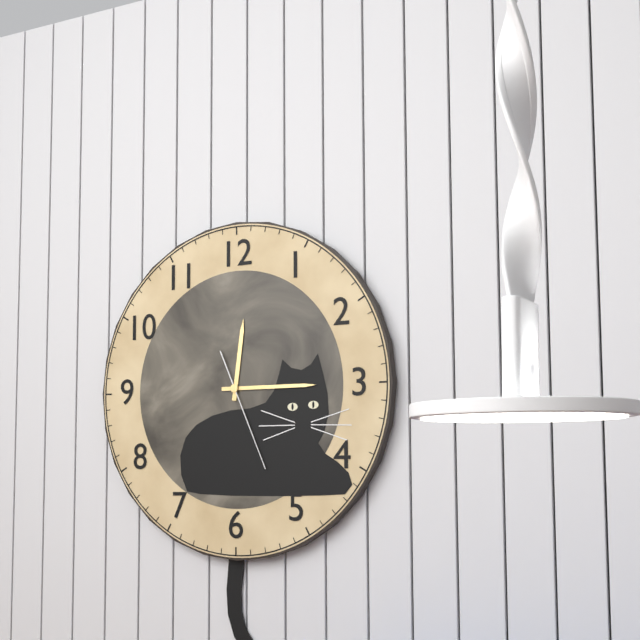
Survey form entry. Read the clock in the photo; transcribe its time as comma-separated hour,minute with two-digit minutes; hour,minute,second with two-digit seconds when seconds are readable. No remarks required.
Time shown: 12,15,26
